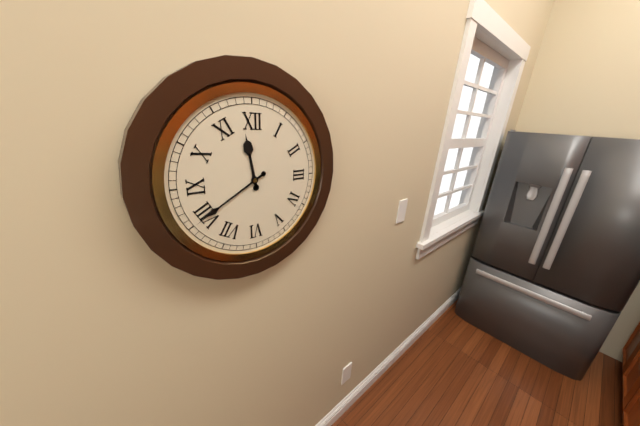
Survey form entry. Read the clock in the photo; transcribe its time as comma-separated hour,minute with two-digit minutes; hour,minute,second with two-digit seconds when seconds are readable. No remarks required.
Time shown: 11,40
